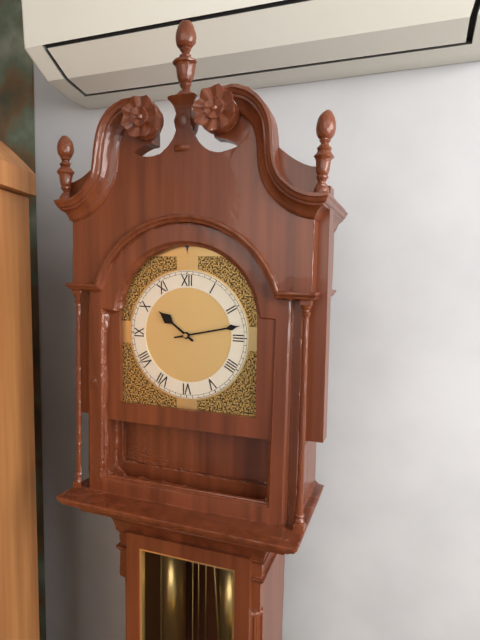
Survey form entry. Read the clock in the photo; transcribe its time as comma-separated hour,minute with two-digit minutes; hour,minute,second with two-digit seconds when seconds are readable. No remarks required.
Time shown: 10,13
